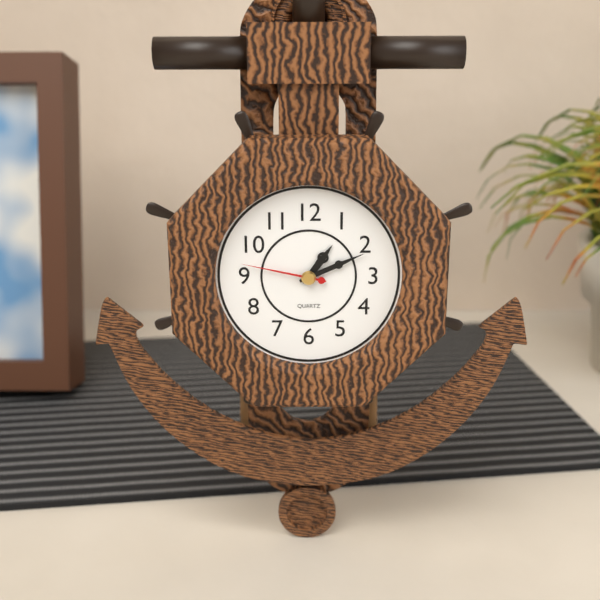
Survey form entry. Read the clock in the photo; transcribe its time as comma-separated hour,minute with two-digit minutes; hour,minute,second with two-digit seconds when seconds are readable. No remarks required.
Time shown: 1,11,47
